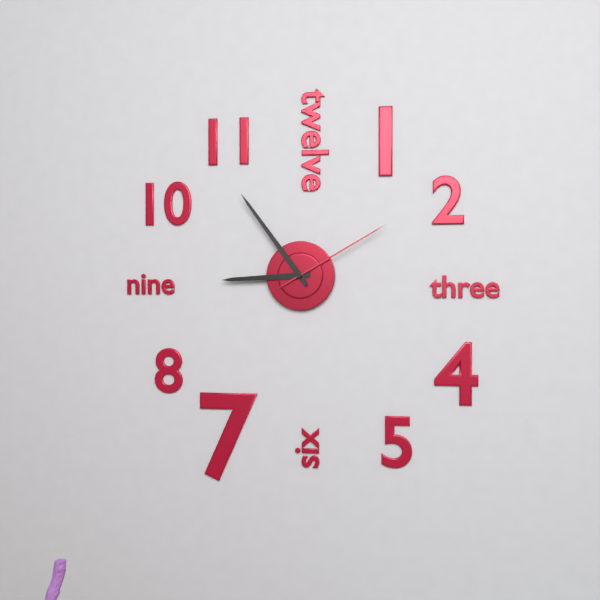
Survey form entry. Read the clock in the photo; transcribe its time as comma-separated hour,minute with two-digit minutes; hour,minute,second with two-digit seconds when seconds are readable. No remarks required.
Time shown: 8,54,10
